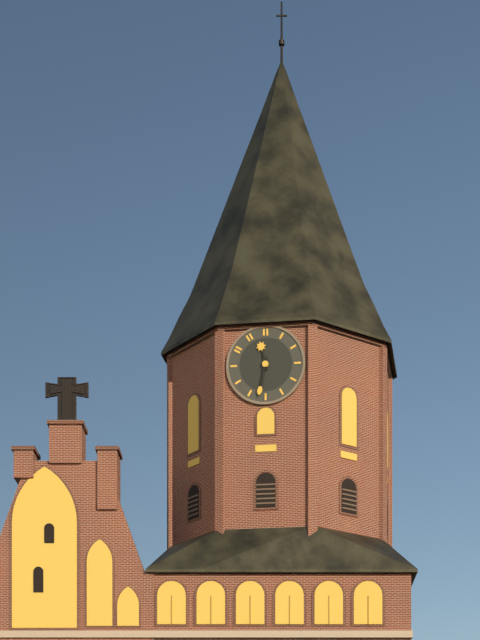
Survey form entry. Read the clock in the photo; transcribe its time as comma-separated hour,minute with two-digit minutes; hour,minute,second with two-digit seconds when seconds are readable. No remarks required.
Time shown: 11,32
